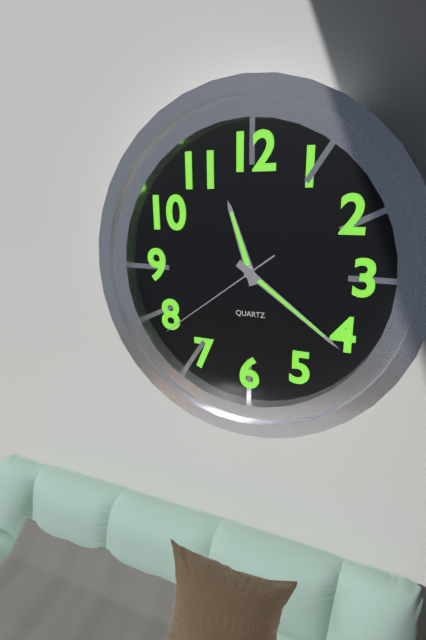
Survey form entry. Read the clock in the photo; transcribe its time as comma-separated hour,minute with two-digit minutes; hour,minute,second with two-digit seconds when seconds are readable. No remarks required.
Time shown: 11,21,39
